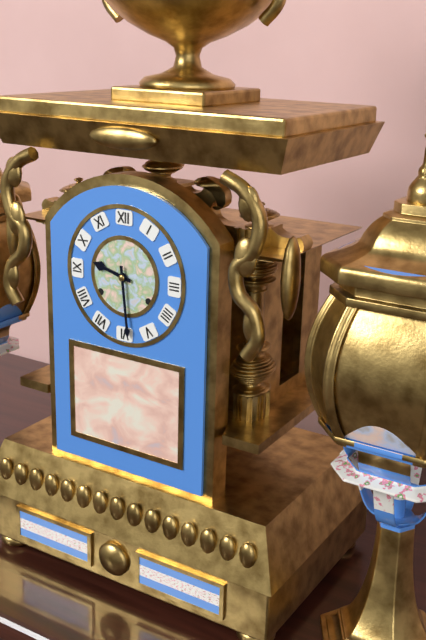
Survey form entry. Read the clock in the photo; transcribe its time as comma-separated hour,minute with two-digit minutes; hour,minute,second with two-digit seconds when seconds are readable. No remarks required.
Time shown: 9,29
